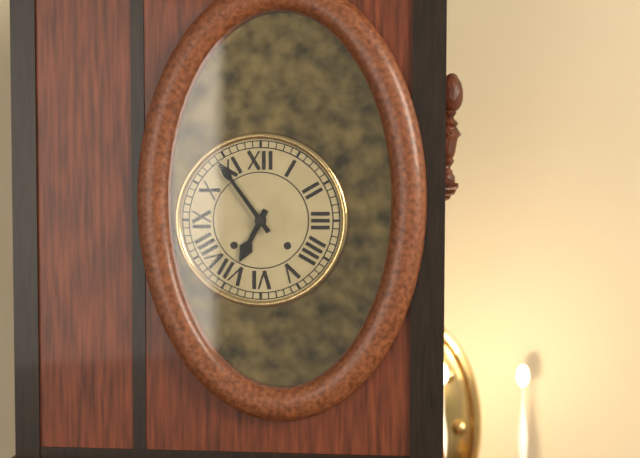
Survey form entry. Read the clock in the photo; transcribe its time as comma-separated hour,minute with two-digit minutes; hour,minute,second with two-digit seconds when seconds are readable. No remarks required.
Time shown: 6,54
